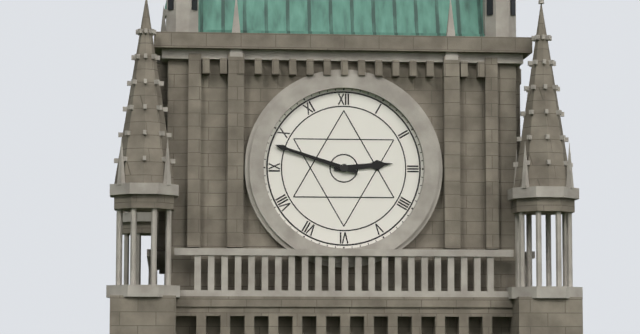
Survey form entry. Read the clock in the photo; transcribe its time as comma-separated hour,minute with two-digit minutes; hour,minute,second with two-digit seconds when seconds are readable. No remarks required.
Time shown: 2,48
